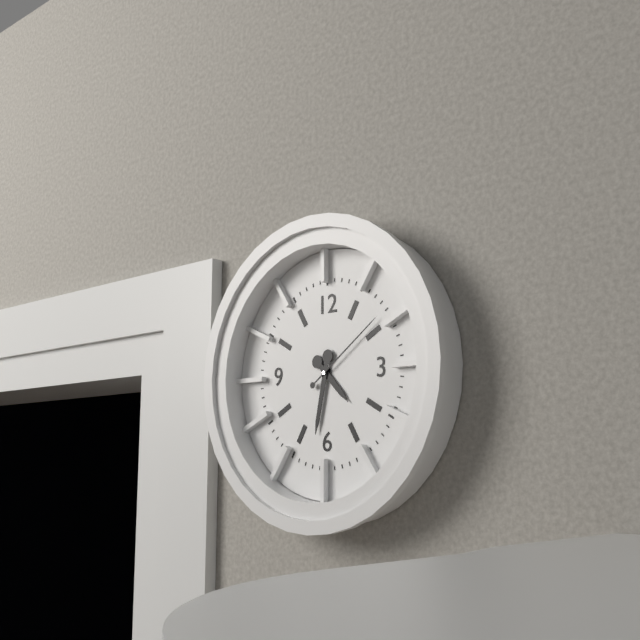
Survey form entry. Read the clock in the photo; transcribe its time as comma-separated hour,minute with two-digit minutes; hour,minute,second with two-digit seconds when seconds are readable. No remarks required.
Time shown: 4,32,09
